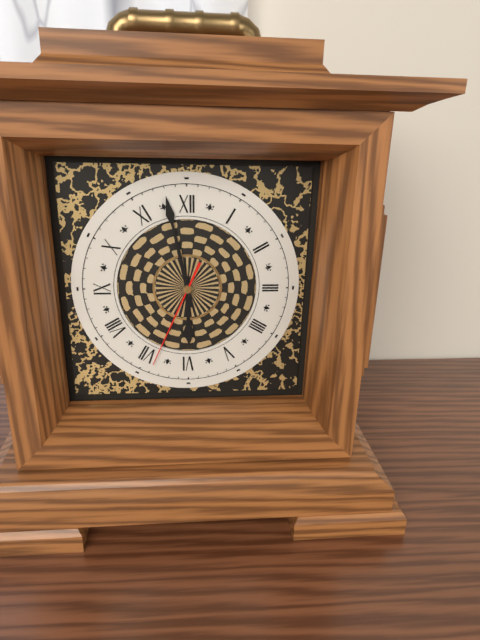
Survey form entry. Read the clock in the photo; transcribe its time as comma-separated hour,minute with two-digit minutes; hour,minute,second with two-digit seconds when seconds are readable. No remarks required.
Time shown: 5,58,34
